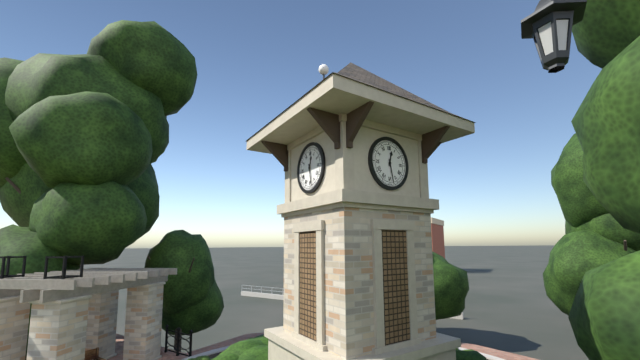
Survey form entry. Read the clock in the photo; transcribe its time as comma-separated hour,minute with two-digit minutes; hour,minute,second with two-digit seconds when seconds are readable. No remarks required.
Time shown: 12,28
